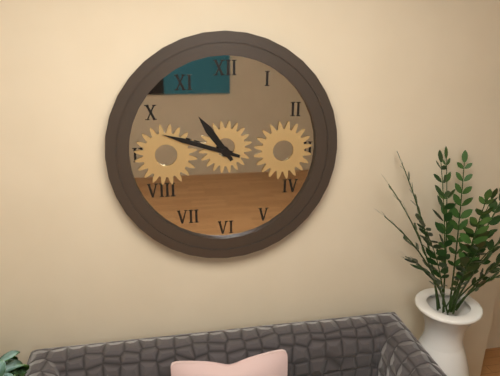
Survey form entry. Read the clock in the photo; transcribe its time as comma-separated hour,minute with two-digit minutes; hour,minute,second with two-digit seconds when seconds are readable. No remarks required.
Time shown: 10,48
